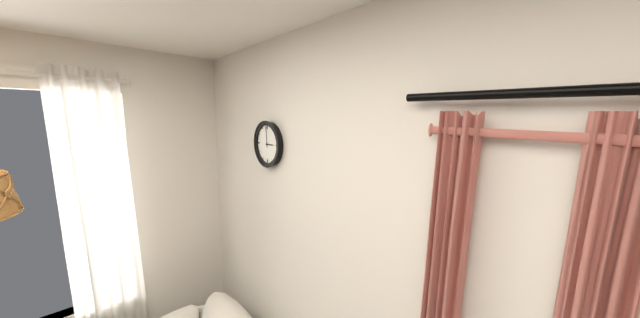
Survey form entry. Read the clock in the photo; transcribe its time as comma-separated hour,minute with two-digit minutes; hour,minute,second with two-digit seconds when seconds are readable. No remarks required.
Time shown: 2,59
